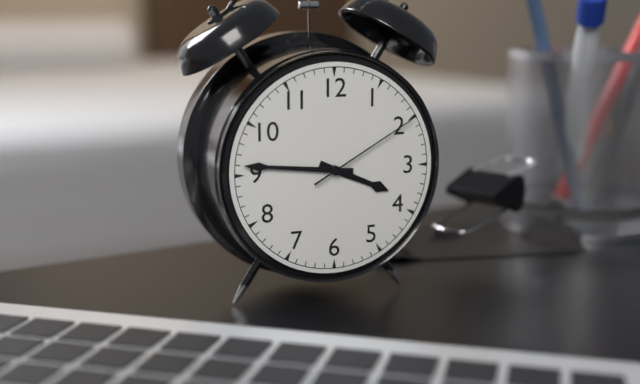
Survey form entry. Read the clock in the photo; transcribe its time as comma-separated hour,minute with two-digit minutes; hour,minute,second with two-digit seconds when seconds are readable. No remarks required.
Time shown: 3,46,10
